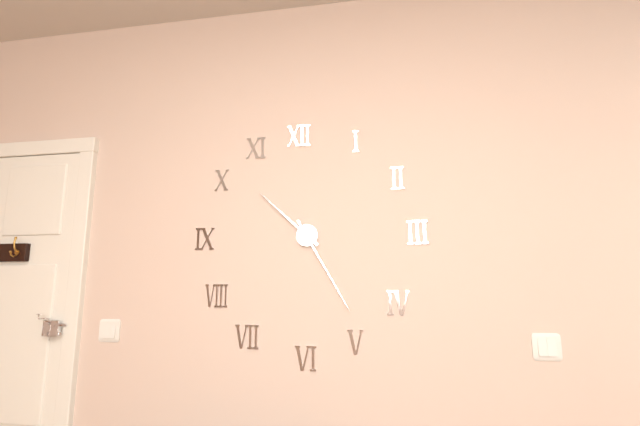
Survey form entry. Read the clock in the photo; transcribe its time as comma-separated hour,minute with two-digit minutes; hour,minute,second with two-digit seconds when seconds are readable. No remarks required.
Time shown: 10,25
